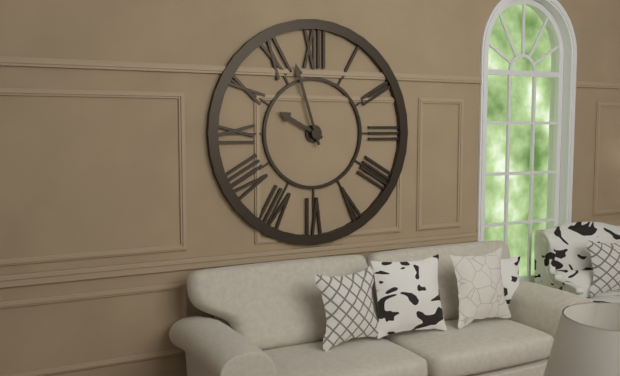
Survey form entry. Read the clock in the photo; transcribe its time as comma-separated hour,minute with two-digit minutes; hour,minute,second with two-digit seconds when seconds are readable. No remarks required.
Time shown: 9,57
